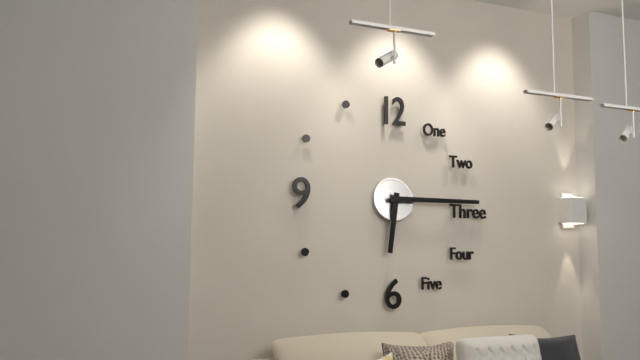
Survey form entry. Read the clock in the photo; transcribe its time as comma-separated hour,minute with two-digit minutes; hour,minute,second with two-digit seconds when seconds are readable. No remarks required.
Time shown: 6,15
